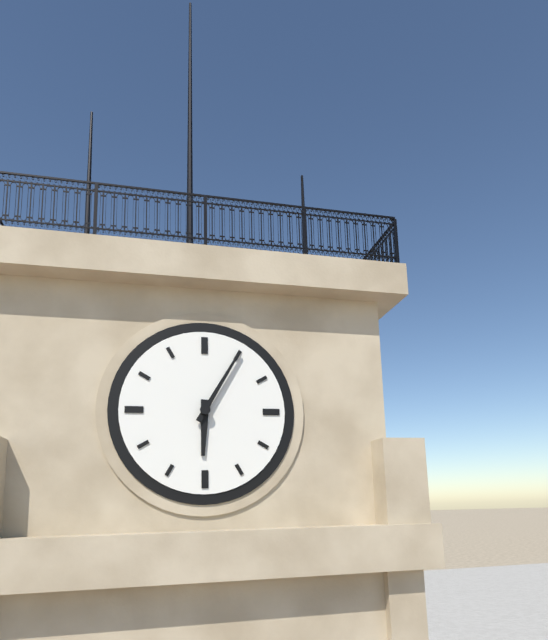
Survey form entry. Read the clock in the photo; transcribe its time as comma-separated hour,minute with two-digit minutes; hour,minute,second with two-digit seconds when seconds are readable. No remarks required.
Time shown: 6,05
